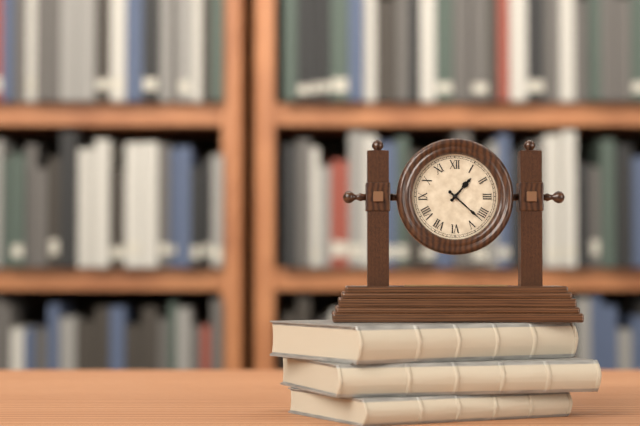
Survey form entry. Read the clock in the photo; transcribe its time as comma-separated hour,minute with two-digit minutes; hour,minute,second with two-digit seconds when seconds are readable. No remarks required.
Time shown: 1,22
